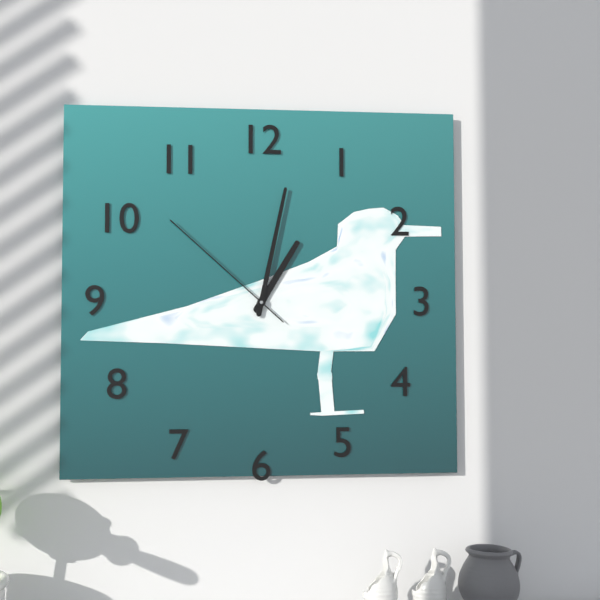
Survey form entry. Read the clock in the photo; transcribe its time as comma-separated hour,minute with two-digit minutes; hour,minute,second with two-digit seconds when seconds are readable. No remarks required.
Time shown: 1,02,52
